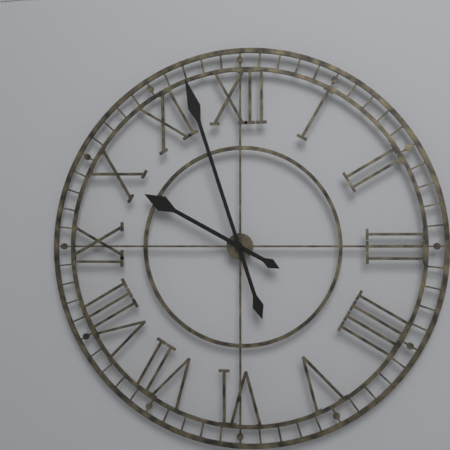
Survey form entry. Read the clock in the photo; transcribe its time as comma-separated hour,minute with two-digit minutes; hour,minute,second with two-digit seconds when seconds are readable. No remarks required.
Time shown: 9,57
